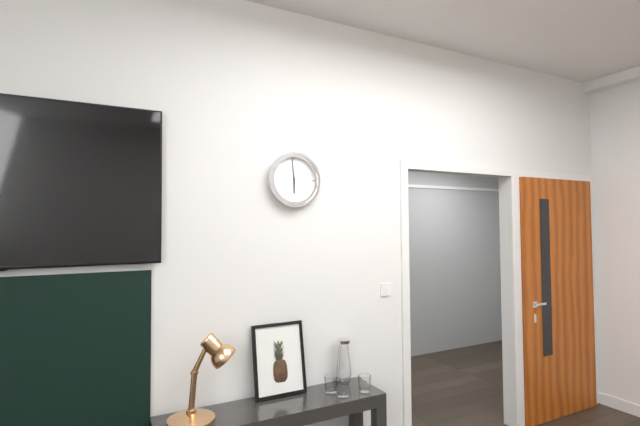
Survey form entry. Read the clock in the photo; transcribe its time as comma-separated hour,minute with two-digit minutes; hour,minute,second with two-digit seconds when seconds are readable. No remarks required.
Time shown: 5,59
